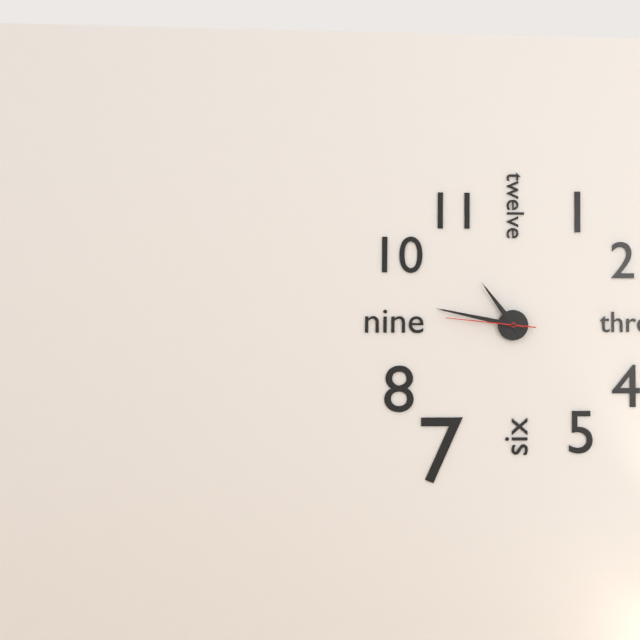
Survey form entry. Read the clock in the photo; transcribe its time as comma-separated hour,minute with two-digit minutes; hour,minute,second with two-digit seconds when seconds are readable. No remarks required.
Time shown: 10,47,46
